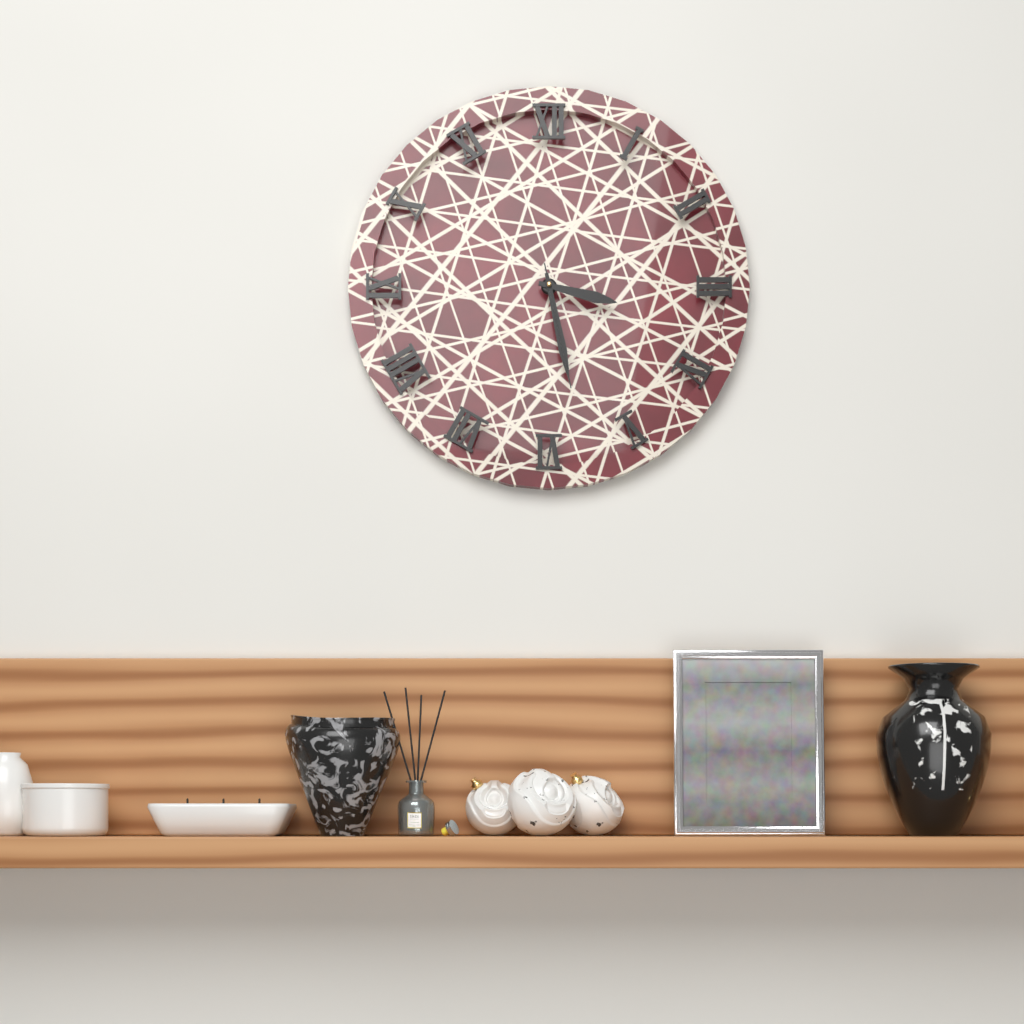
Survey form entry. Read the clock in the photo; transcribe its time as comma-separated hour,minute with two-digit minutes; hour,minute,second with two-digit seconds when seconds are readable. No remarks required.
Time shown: 3,28,28
